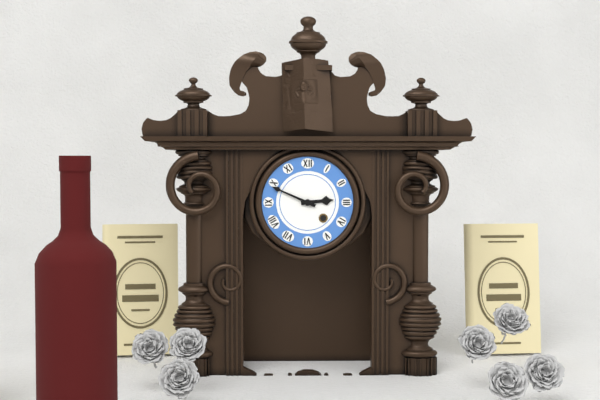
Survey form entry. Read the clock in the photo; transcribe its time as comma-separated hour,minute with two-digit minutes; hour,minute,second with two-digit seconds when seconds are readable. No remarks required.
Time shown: 2,49
